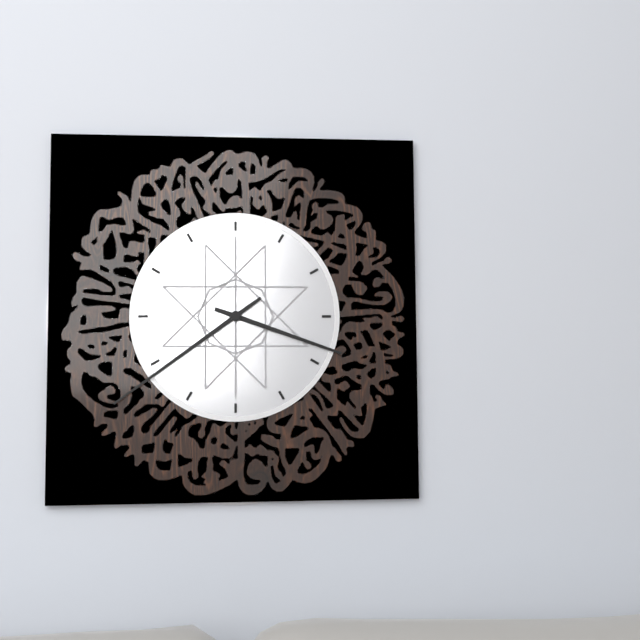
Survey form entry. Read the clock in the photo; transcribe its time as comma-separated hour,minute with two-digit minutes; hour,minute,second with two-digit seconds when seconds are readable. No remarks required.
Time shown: 3,39
